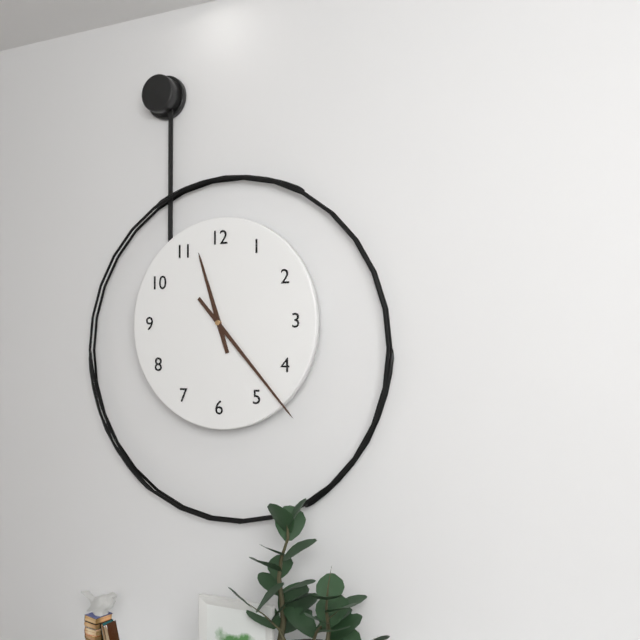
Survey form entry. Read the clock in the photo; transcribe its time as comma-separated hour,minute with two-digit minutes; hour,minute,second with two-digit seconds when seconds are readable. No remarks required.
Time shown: 11,23
